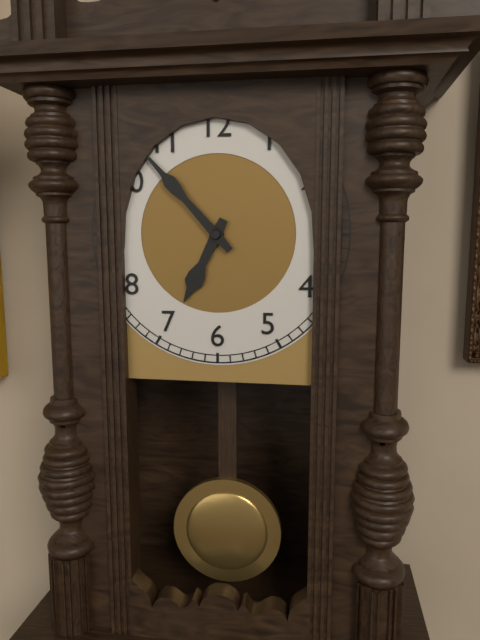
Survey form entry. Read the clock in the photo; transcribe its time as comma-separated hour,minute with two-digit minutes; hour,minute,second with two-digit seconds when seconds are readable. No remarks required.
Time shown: 6,53
